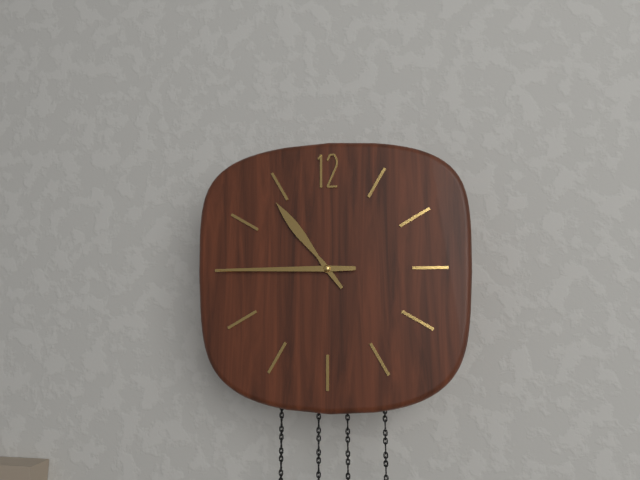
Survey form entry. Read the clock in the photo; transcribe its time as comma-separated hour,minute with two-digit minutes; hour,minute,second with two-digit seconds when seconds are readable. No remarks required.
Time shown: 10,45
